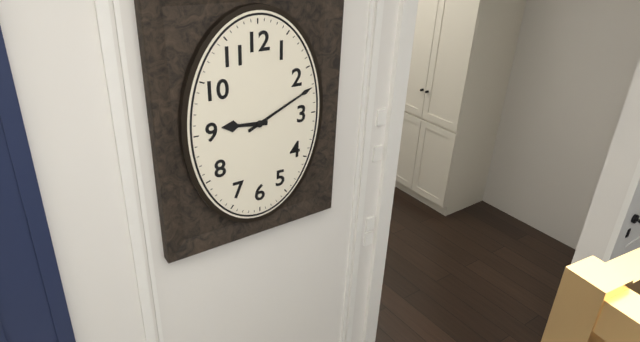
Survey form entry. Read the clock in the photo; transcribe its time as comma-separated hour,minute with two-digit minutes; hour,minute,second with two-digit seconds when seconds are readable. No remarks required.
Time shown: 9,11
